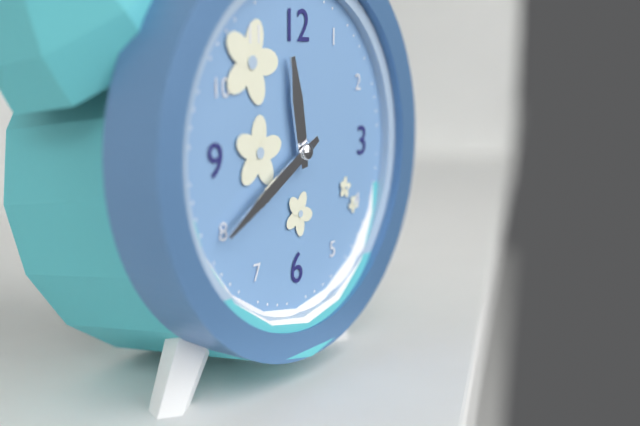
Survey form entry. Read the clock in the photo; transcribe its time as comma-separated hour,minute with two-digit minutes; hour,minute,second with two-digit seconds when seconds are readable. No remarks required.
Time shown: 11,40
